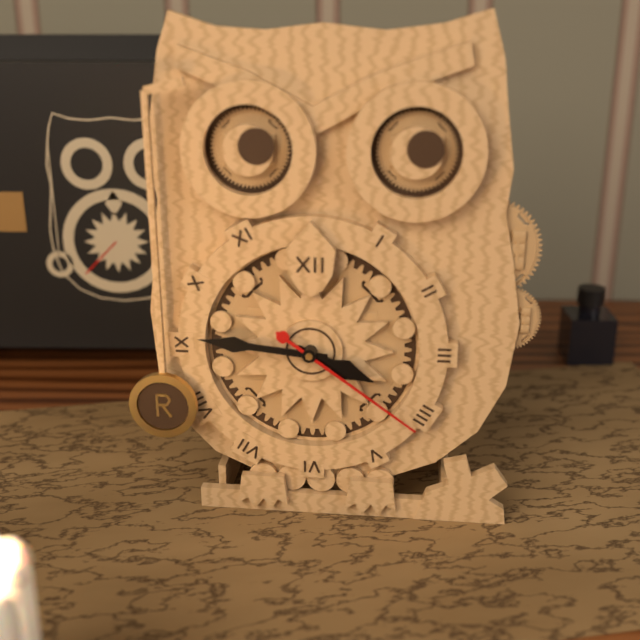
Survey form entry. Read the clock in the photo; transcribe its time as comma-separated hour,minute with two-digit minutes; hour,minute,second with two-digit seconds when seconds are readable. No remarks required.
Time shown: 3,46,21
